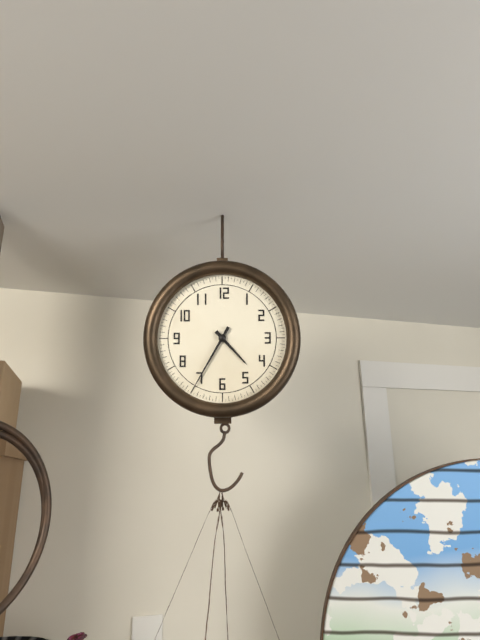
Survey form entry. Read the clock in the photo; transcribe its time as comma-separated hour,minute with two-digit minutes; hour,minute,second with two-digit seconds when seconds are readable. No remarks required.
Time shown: 4,35
